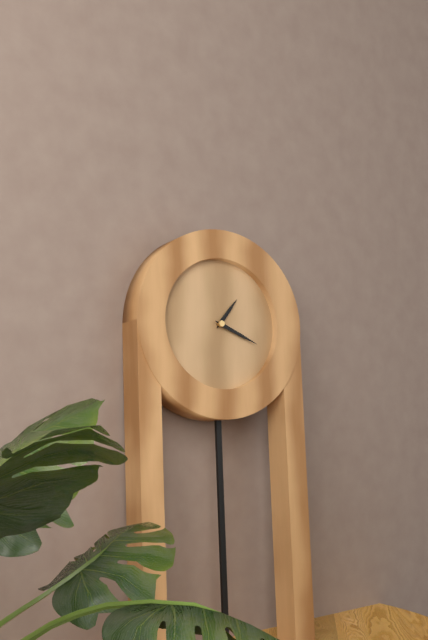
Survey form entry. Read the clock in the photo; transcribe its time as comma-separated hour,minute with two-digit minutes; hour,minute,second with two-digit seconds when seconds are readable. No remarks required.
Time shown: 1,19
